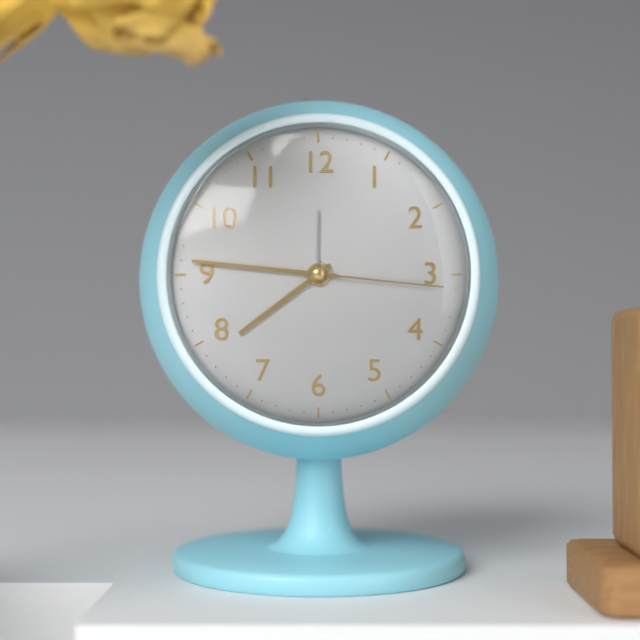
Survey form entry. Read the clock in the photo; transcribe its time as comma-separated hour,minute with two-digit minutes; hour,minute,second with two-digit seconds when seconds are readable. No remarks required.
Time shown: 7,46,16
